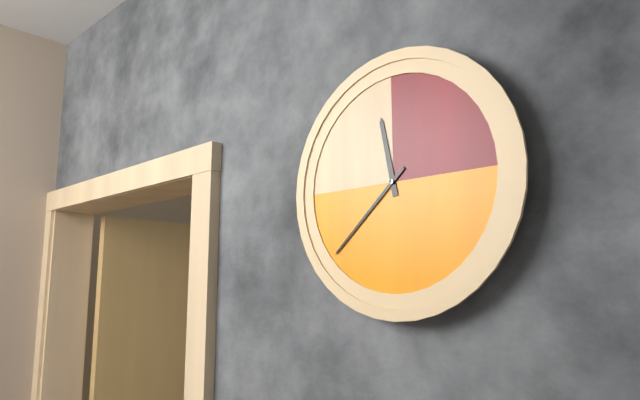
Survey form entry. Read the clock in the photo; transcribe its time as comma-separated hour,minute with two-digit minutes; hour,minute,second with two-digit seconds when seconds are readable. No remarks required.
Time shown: 11,38
